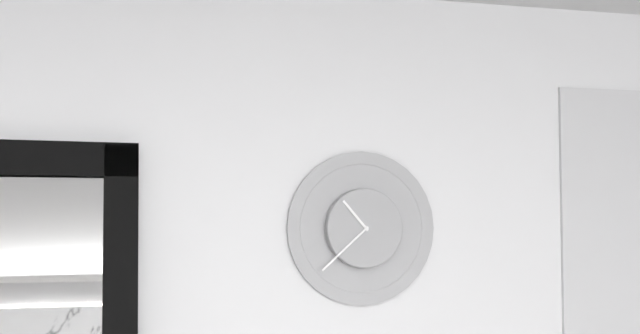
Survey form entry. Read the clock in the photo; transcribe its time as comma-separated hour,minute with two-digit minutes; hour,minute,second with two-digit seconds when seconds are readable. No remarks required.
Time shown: 10,38
